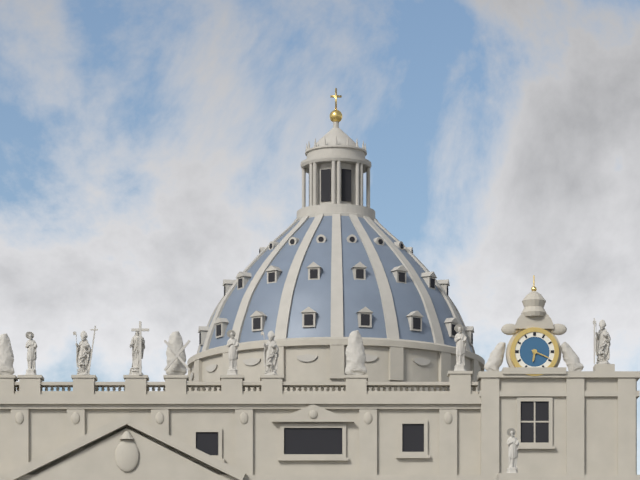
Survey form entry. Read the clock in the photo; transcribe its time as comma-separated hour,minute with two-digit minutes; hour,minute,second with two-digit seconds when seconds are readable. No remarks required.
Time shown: 6,19
